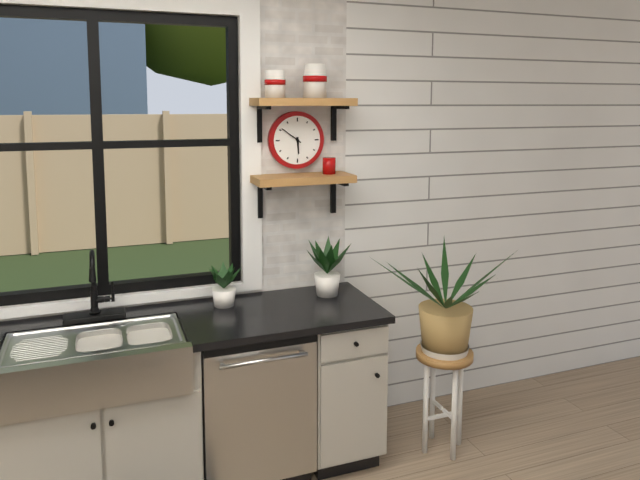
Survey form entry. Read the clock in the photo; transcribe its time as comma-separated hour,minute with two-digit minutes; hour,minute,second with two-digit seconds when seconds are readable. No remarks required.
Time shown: 5,51
